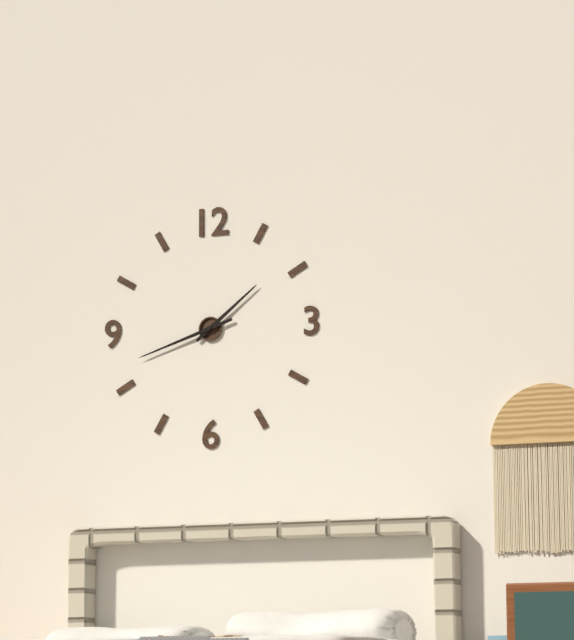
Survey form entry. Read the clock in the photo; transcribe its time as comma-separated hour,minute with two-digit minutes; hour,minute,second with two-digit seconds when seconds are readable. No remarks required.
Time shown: 1,42
